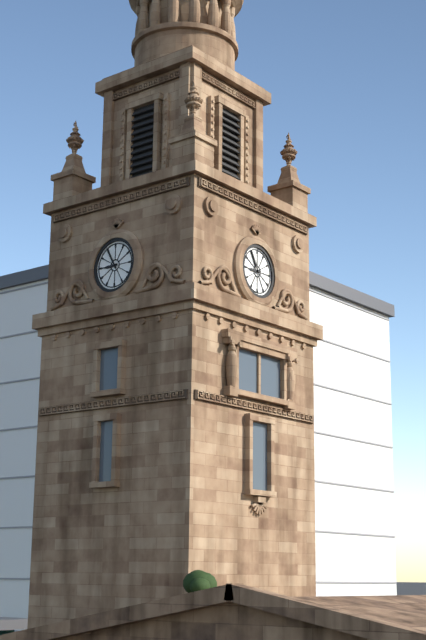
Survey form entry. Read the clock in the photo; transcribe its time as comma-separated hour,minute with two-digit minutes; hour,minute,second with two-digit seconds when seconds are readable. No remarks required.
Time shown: 8,55
